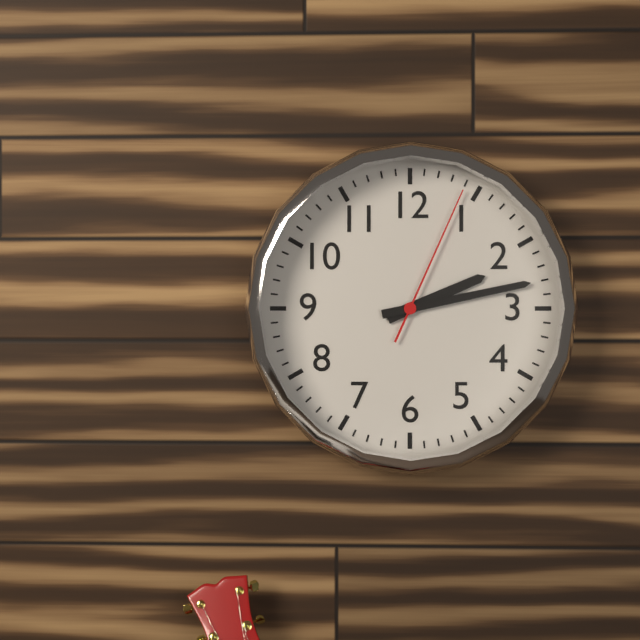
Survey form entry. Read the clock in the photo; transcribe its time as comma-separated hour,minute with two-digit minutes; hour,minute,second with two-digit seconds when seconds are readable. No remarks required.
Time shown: 2,13,04
